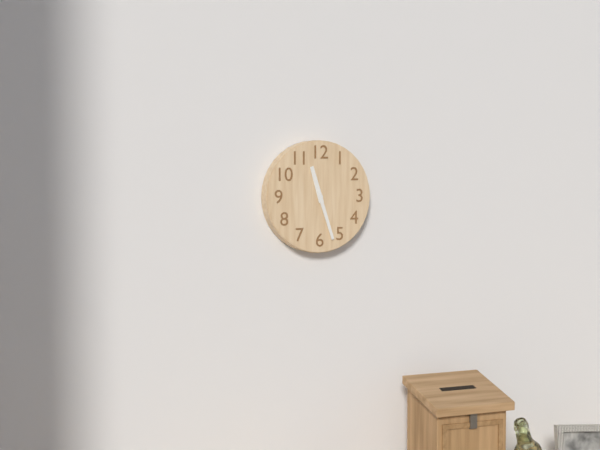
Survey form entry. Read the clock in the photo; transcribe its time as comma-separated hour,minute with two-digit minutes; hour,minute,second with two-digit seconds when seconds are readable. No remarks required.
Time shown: 11,27
